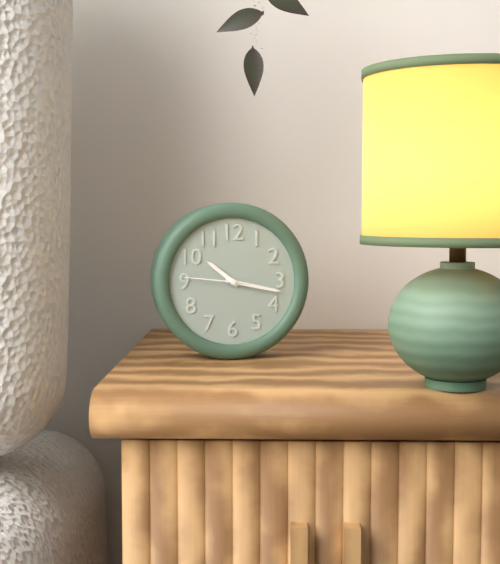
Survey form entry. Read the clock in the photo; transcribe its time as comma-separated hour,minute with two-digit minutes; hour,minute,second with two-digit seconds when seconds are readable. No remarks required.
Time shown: 10,17,46
